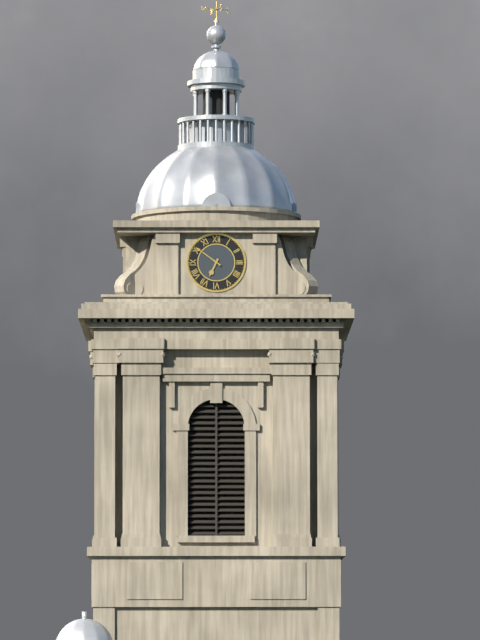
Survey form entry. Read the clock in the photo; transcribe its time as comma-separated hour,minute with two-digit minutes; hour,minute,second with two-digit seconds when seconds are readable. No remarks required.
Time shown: 6,51
